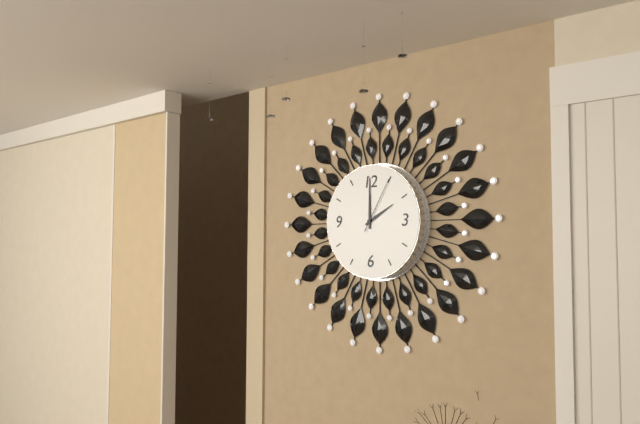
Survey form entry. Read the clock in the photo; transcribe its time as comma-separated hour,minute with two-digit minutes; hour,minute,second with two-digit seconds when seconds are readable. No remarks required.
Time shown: 2,00,05
